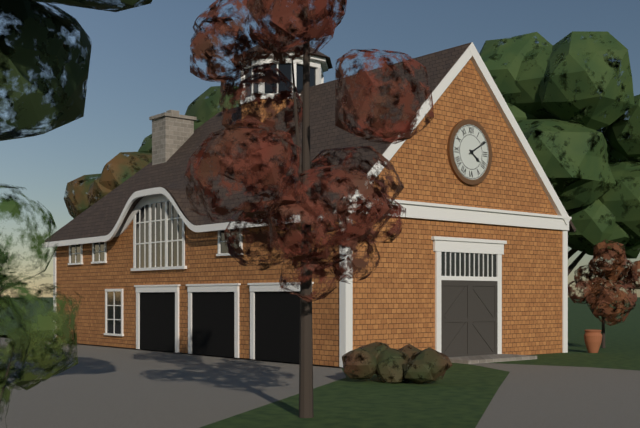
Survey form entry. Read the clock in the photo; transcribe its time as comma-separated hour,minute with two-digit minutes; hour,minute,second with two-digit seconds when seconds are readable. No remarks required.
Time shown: 4,10
